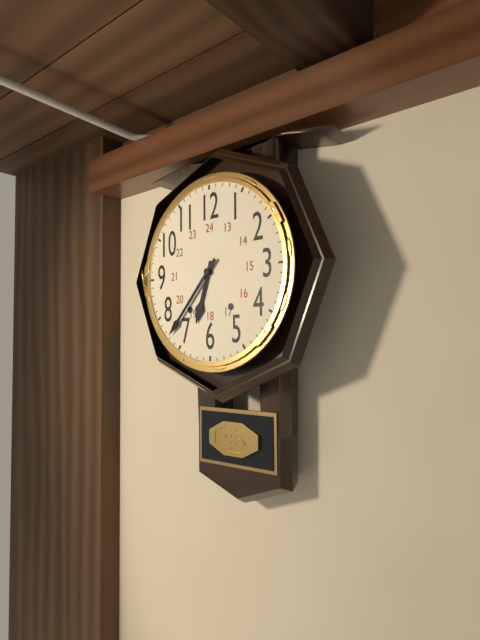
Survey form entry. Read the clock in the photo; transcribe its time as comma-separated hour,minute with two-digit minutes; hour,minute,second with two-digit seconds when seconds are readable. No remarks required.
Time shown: 6,37
